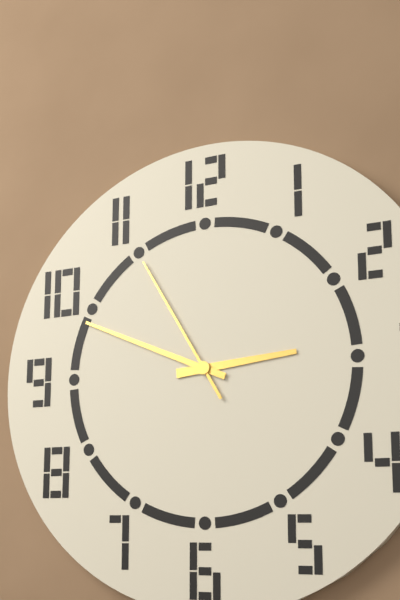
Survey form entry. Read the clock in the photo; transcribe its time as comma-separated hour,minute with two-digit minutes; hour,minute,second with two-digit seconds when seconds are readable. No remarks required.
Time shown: 2,49,55
